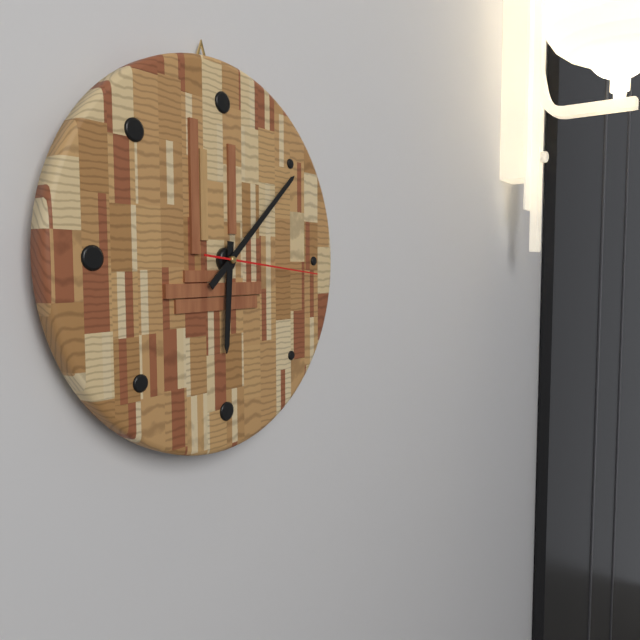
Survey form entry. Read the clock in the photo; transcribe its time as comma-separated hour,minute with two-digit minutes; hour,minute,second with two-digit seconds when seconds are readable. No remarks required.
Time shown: 6,08,16
